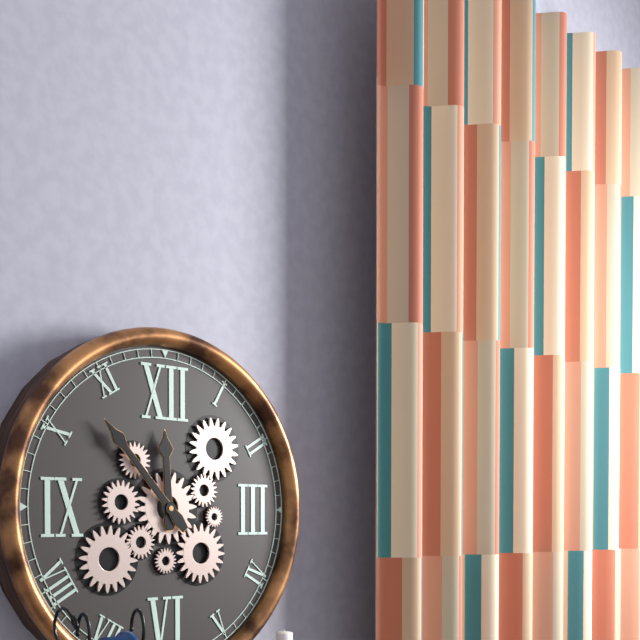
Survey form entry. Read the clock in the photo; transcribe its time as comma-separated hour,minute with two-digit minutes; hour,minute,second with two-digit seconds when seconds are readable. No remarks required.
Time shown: 11,53
